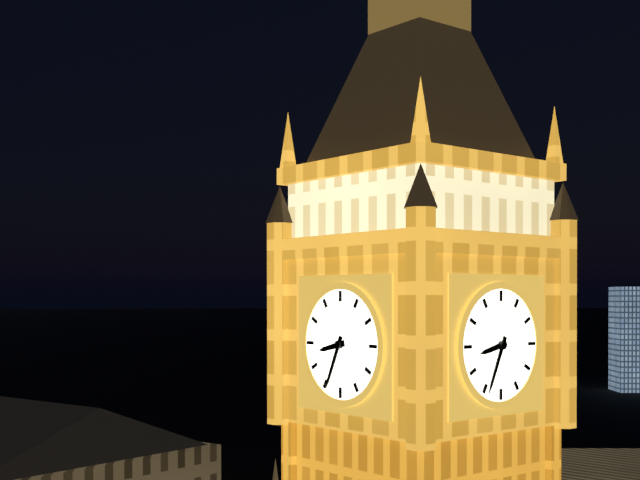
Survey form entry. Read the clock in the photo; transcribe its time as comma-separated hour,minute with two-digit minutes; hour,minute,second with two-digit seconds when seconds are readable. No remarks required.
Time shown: 8,34
